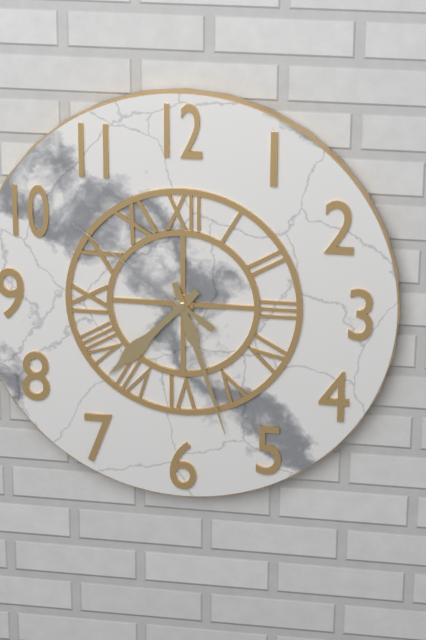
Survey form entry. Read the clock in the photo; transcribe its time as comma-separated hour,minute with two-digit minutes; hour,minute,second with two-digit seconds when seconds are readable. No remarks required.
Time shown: 7,27,51
